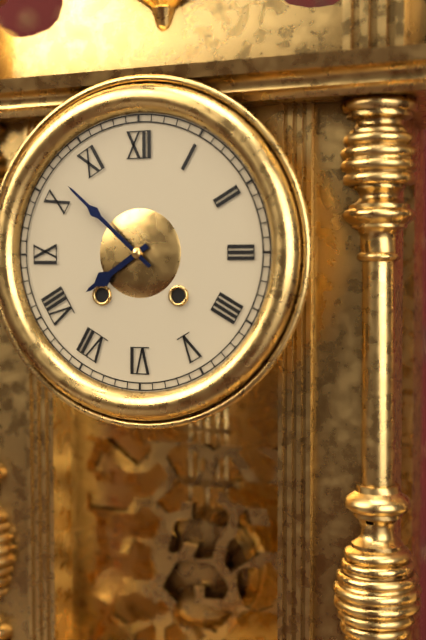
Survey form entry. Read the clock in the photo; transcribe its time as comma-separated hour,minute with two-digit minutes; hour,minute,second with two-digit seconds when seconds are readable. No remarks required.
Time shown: 7,52
